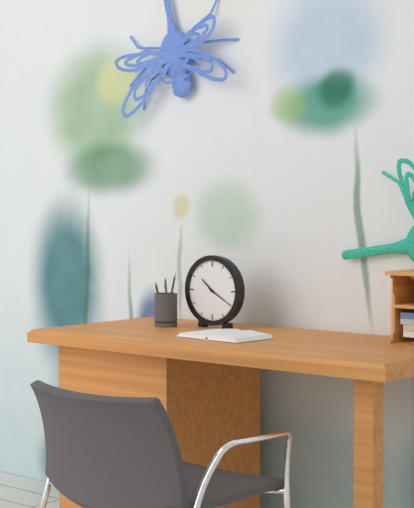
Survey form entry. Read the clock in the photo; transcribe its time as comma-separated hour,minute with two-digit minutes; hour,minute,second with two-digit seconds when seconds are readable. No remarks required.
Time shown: 10,20
